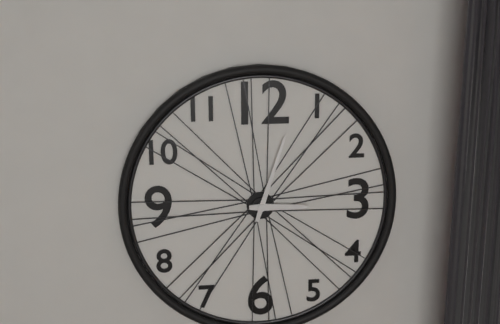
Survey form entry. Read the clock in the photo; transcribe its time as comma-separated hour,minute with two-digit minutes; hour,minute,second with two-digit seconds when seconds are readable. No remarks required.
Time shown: 3,03
